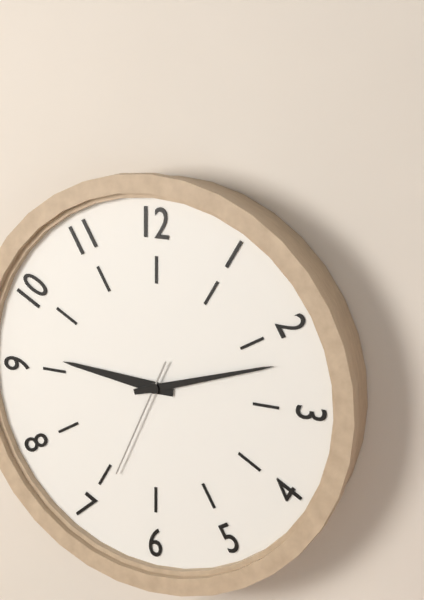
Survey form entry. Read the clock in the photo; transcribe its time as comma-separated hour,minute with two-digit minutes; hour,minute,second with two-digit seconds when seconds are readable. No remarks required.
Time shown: 9,12,34
